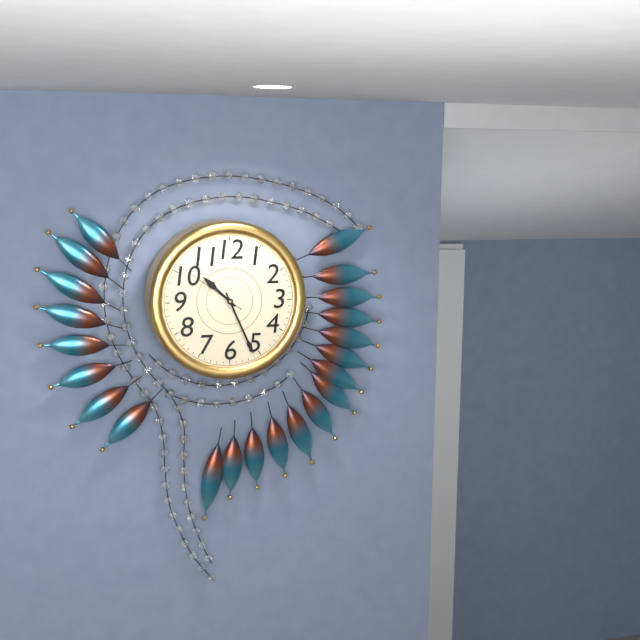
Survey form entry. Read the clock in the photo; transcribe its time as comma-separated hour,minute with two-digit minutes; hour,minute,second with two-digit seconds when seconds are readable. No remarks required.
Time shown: 10,26,51
